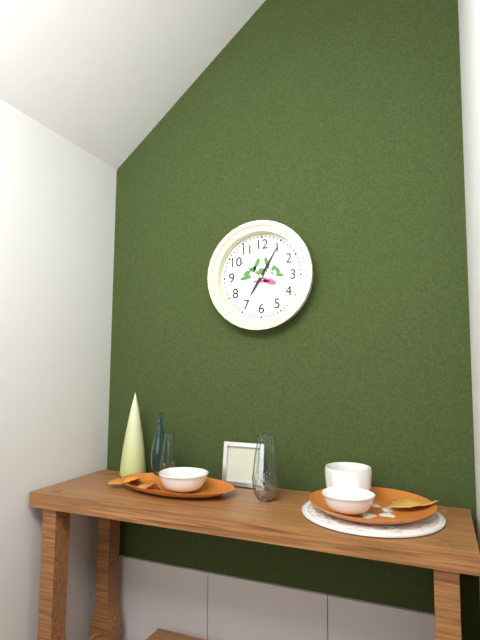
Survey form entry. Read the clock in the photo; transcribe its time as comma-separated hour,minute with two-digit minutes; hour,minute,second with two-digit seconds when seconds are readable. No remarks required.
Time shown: 7,05
